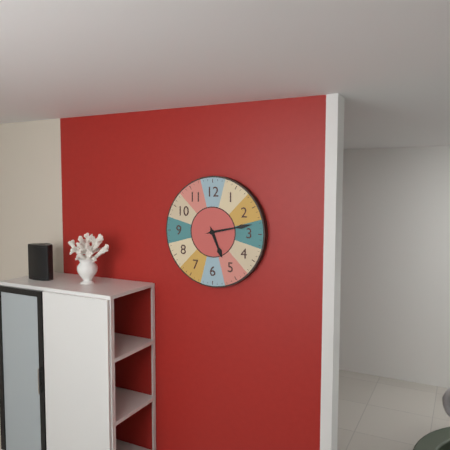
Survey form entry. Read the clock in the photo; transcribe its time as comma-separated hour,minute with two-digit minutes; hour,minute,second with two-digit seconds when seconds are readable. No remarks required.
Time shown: 5,13
